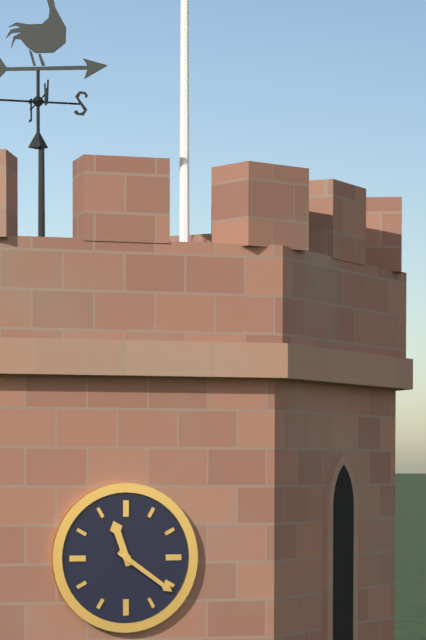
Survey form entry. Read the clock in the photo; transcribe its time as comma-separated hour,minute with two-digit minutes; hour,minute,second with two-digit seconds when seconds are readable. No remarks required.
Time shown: 11,21
